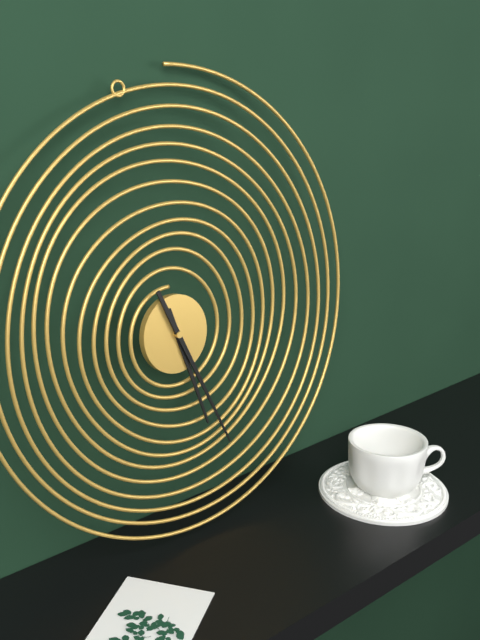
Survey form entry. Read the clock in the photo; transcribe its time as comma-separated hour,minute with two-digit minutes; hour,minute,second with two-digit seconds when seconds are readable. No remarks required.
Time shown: 5,26
